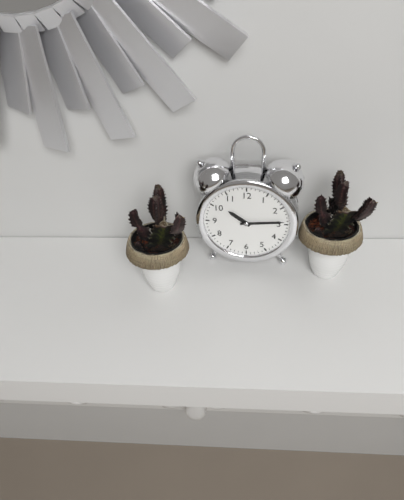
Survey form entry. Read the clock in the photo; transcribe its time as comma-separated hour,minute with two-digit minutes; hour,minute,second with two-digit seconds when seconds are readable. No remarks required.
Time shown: 10,14
